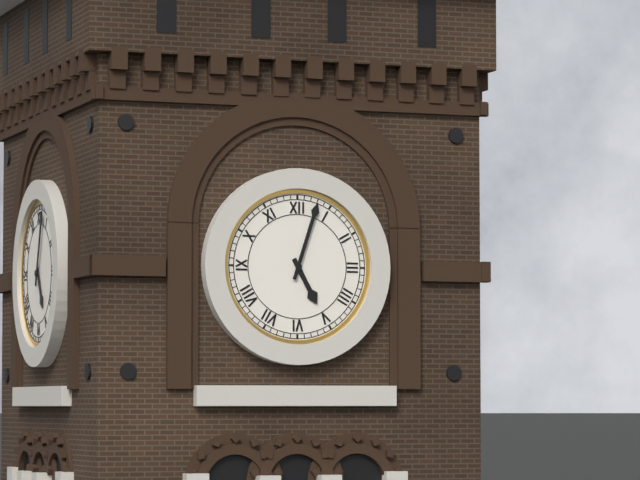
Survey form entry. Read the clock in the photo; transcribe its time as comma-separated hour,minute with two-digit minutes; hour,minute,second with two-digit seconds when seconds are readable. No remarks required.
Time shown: 5,03
